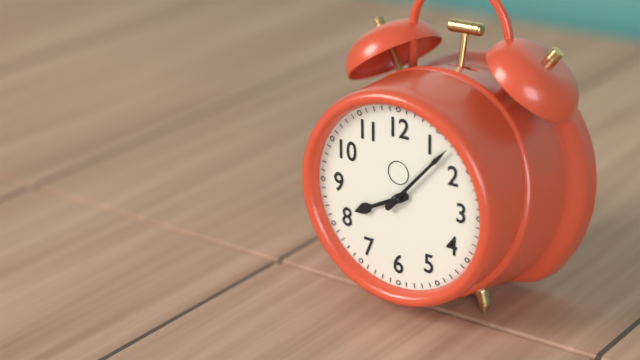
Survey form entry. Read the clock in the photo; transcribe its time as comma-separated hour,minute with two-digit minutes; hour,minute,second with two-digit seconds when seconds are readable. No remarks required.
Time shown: 8,07
